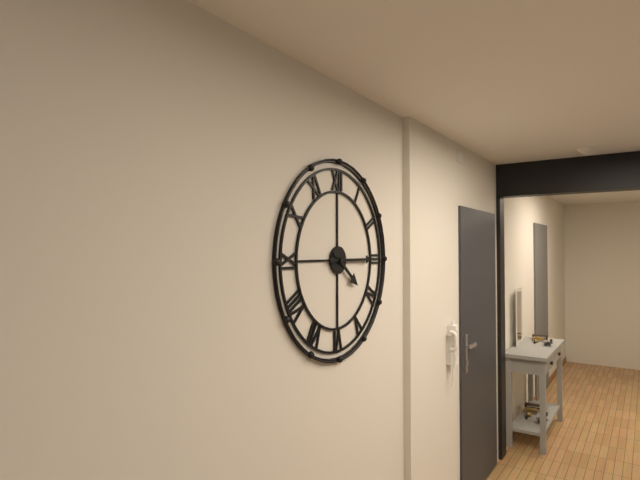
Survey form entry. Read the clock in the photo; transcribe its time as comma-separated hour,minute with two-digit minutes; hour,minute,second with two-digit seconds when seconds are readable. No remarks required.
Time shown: 4,15
